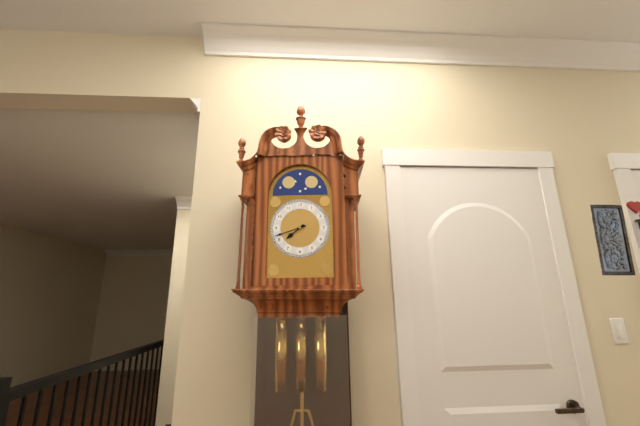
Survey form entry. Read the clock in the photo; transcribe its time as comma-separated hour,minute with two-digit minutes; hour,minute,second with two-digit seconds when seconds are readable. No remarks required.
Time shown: 7,42
